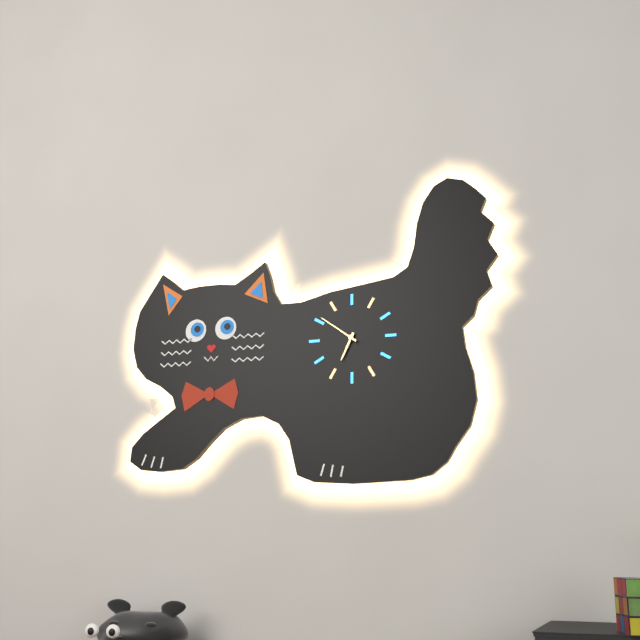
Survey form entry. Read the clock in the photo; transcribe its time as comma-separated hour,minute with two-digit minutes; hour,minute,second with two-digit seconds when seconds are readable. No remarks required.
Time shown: 6,51
